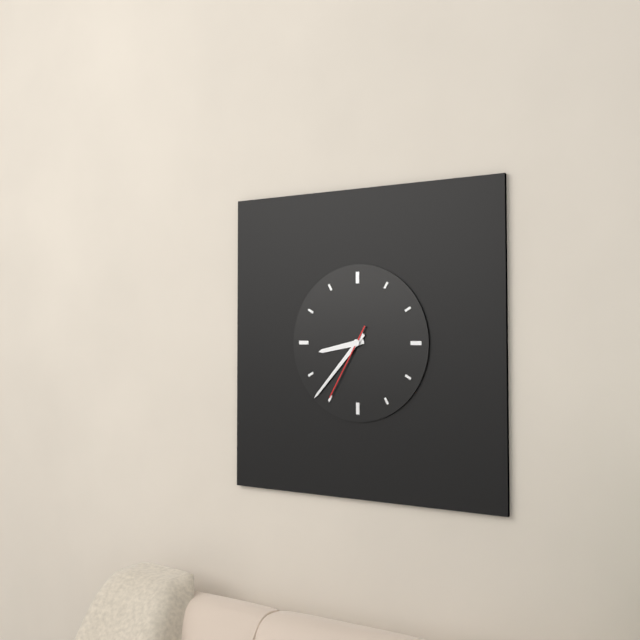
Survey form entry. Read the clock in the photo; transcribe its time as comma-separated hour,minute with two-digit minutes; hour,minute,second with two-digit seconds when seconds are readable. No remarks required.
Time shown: 8,37,35
